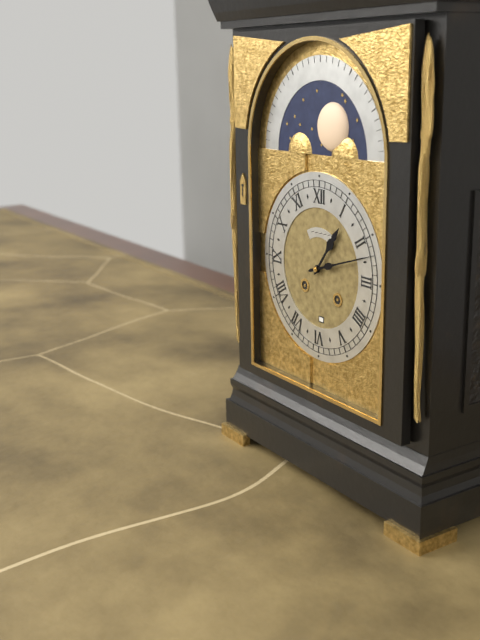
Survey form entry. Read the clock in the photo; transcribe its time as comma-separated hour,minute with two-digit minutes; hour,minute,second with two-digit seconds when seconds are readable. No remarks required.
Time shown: 1,12
